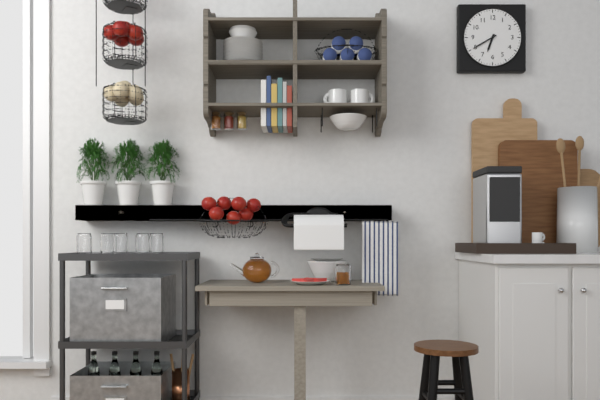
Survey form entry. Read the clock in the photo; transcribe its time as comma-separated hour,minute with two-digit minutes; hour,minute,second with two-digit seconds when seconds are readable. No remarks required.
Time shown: 6,40
